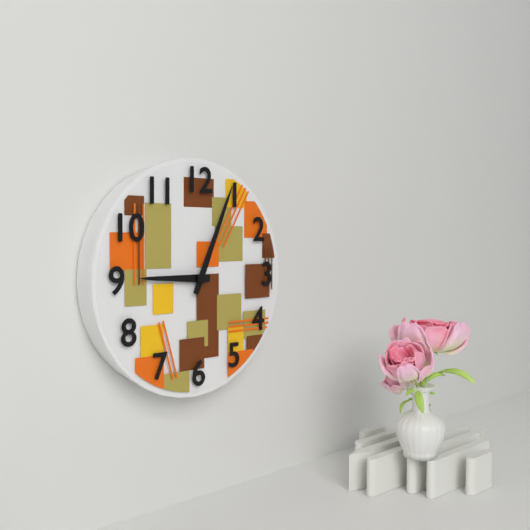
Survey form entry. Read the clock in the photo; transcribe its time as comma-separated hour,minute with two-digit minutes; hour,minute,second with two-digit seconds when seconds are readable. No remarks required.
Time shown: 9,04
